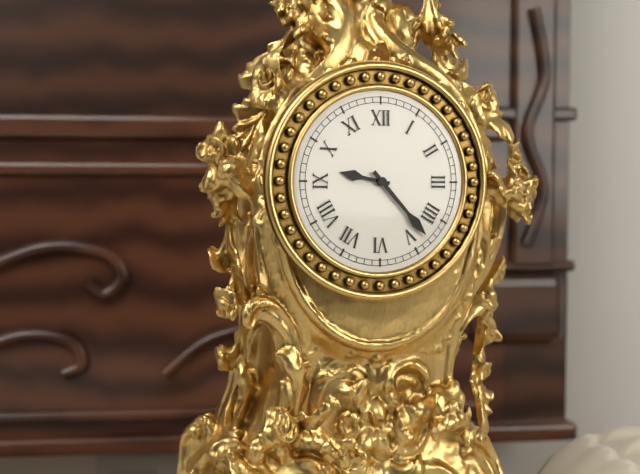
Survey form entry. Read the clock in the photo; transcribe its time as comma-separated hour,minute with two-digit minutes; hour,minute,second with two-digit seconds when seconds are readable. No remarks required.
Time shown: 9,23
